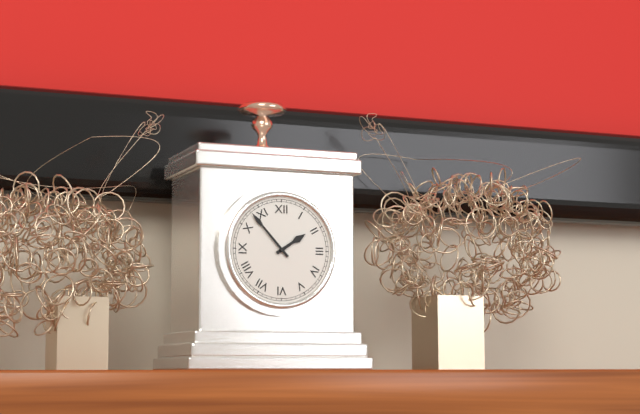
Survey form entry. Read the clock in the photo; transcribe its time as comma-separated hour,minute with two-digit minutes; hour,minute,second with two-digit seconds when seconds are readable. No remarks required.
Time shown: 1,53
